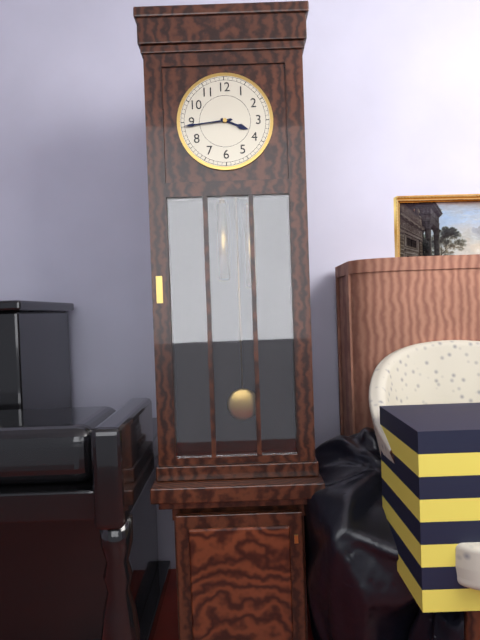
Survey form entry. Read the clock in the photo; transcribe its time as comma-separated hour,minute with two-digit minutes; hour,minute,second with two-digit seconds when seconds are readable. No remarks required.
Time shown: 3,44
